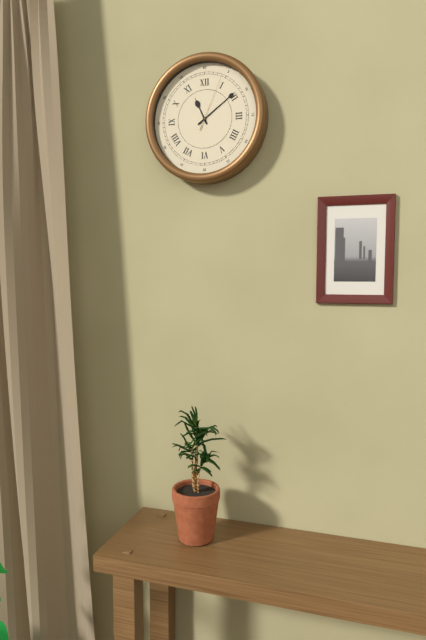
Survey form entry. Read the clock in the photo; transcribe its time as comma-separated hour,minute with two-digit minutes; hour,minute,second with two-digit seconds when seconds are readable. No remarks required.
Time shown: 11,09,04
